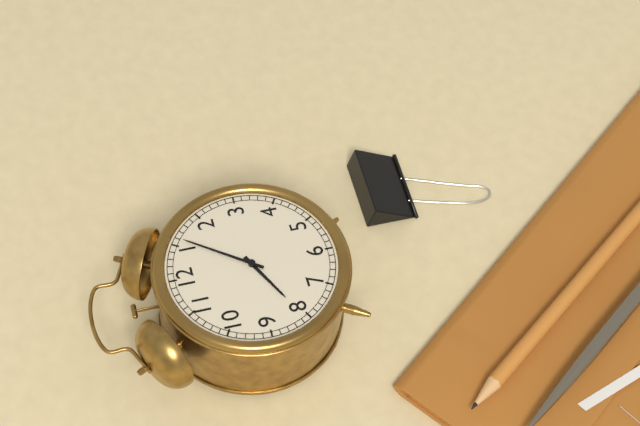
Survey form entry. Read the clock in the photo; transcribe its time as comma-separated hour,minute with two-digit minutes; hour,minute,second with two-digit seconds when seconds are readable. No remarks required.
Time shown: 8,06
